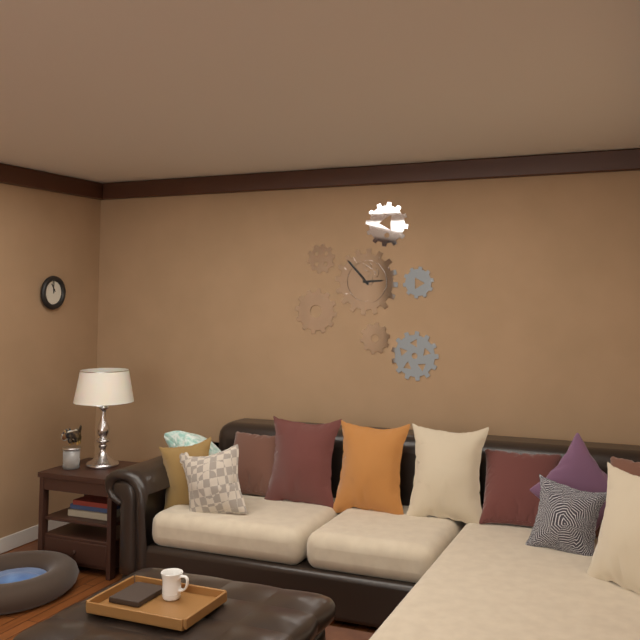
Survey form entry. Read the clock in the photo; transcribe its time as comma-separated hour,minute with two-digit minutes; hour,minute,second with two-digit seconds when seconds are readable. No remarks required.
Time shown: 2,53
